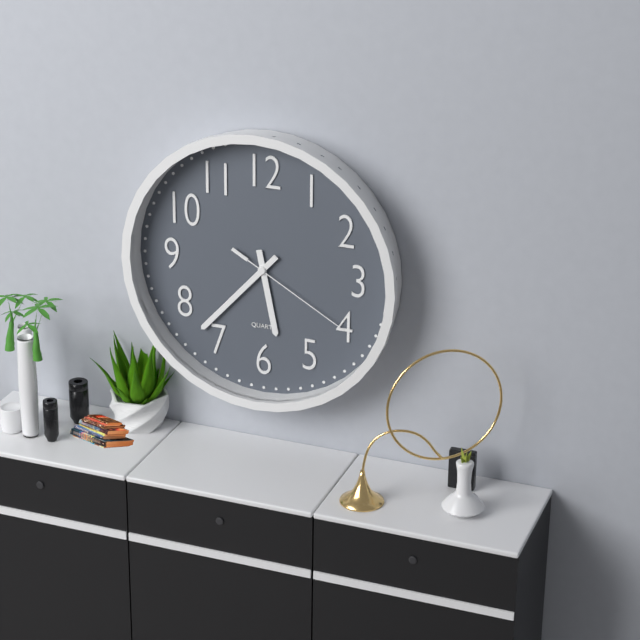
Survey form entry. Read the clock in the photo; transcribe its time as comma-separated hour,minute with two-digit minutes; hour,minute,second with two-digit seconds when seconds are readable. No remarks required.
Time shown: 5,37,20
